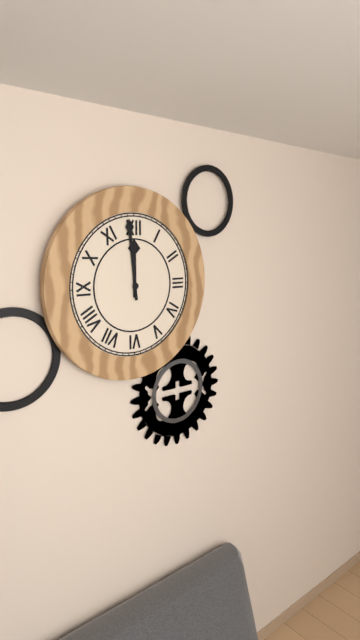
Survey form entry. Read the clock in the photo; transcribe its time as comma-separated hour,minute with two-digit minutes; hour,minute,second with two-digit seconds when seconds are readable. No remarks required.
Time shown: 11,59
